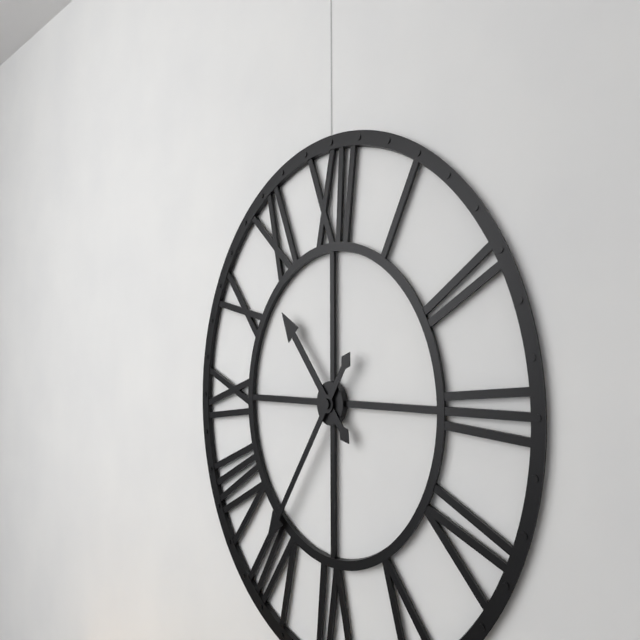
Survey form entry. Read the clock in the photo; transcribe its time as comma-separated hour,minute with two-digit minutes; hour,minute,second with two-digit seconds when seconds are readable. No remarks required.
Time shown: 10,36
